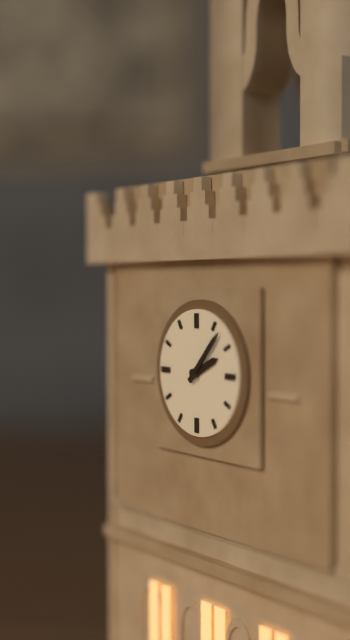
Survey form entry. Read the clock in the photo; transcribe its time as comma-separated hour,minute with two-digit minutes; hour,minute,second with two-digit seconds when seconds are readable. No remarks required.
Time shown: 2,07
